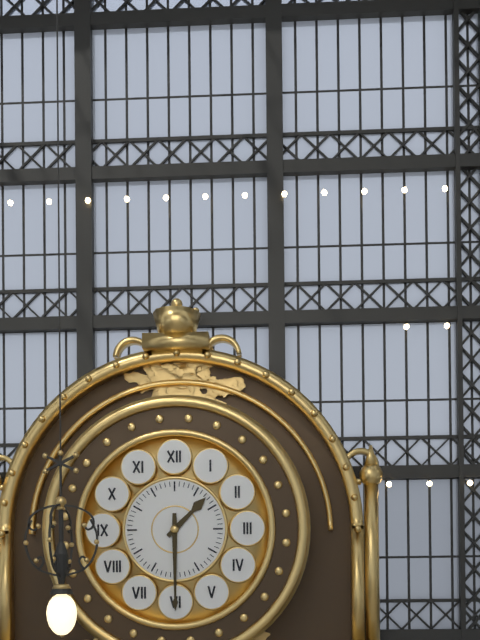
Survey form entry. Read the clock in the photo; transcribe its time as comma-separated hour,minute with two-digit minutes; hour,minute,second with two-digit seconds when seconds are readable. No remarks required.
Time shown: 1,30
